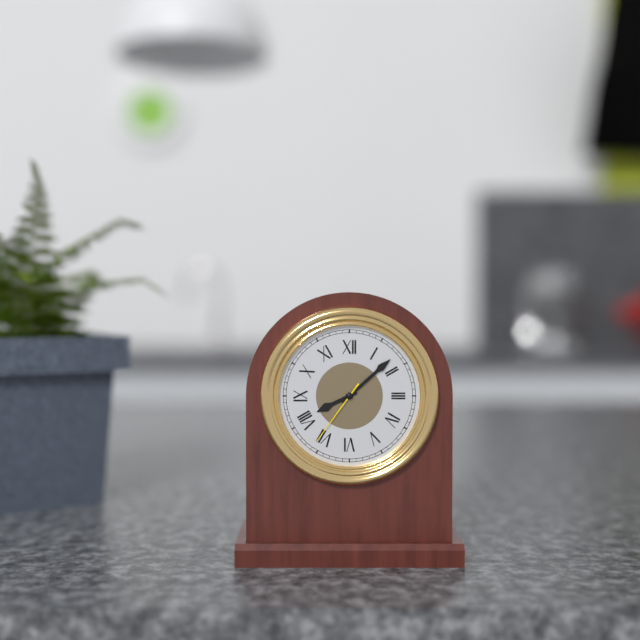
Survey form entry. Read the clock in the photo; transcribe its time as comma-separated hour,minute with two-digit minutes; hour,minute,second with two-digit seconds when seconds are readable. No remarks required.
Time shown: 8,08,36
